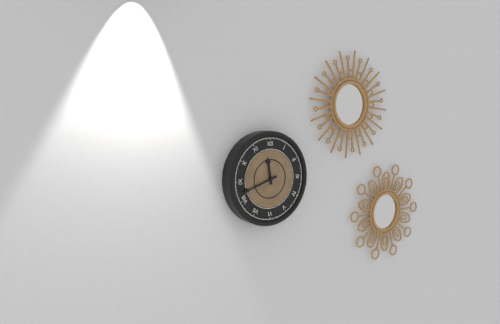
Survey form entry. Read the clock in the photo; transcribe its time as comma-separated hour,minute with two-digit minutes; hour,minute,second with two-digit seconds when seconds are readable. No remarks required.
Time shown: 11,42
